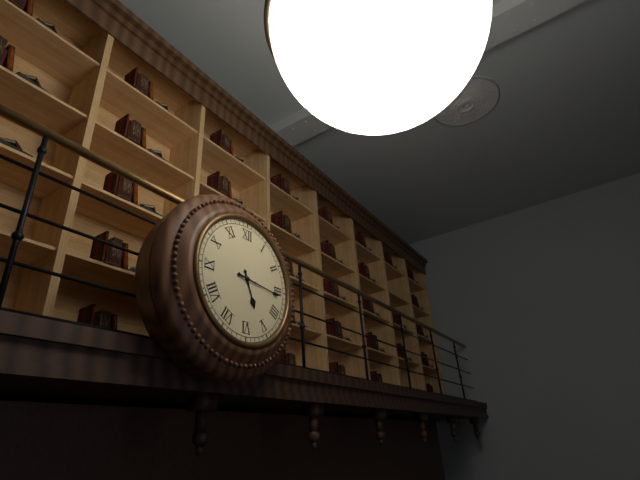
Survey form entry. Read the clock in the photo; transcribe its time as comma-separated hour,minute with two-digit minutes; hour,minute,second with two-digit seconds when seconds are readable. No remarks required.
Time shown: 5,16
